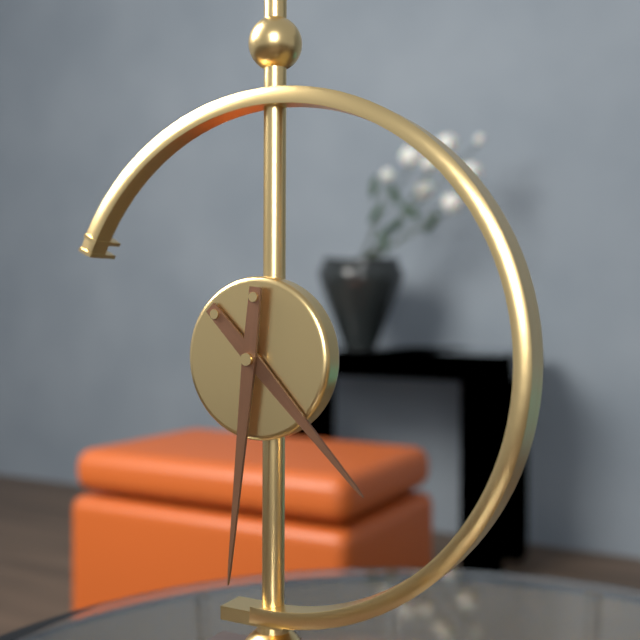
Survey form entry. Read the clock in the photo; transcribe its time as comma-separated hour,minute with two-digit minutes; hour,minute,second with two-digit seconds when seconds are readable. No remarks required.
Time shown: 4,31
